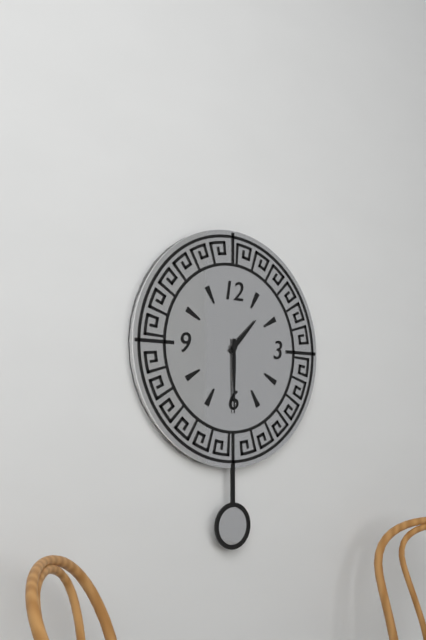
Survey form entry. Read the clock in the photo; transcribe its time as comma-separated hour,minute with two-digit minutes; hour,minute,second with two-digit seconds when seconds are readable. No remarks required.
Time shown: 1,30
